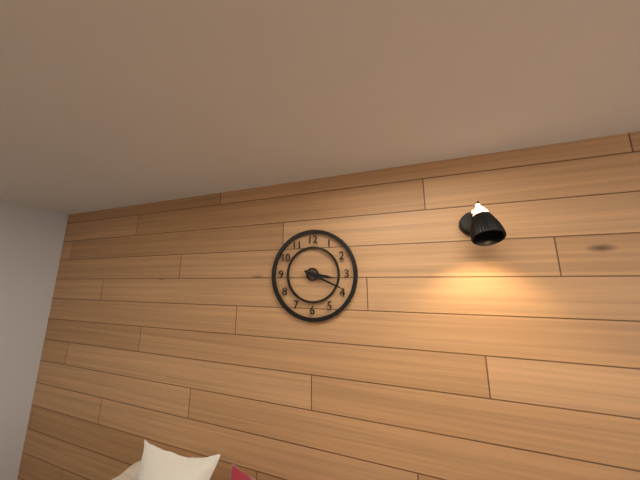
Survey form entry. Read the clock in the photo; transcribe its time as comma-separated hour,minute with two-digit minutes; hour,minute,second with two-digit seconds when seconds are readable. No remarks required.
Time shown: 3,19
